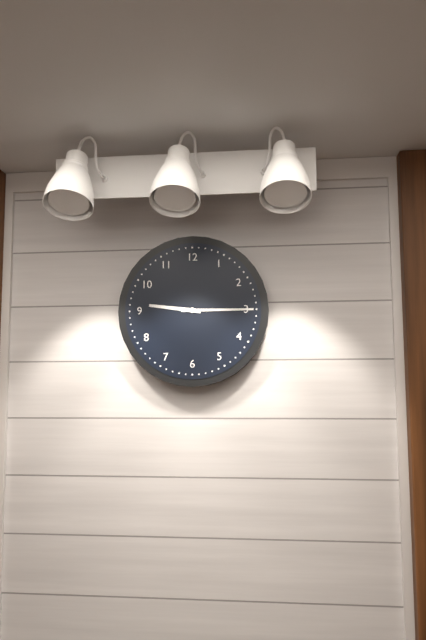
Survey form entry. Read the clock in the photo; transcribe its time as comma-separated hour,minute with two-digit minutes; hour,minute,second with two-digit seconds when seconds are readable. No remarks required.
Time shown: 9,15
